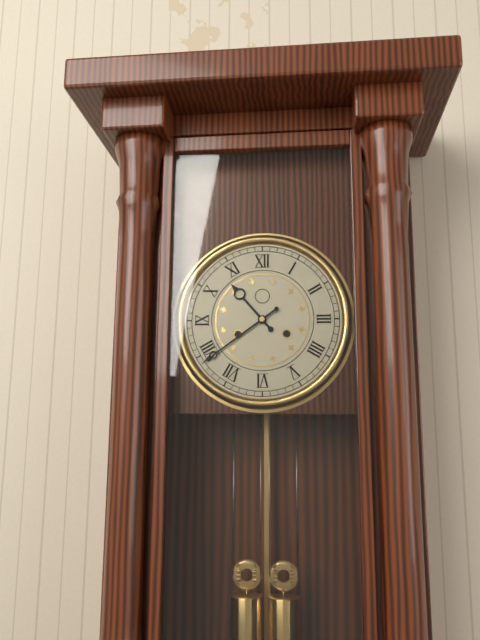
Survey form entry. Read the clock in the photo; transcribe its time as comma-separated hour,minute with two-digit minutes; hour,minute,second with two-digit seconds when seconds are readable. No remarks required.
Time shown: 10,39
